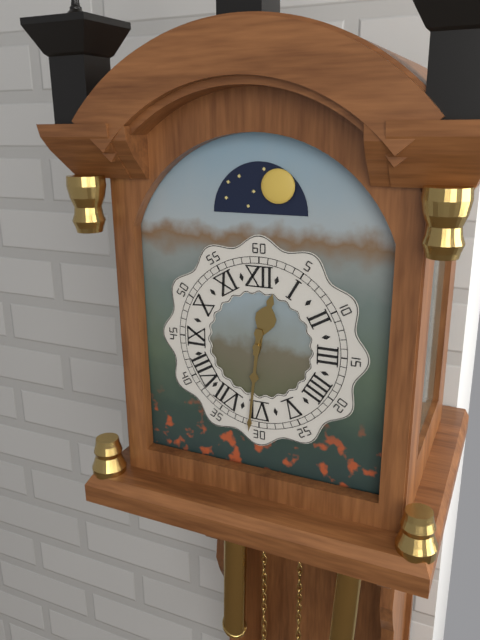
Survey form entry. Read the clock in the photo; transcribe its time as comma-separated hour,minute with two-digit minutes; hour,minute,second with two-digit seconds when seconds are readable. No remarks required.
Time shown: 12,31
